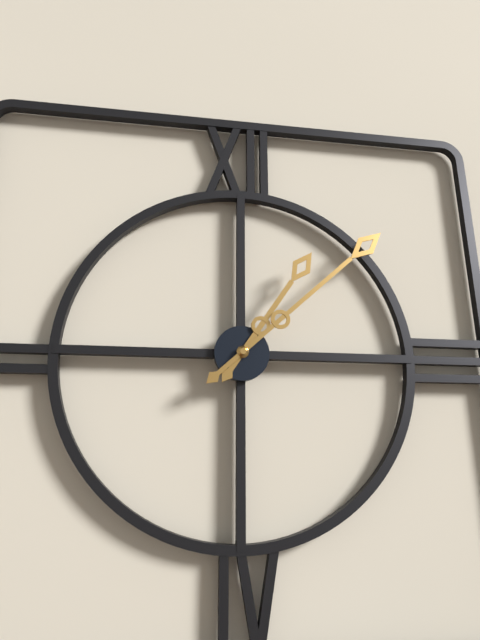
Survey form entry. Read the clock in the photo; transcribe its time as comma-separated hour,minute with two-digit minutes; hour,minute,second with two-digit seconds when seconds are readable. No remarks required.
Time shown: 1,08
